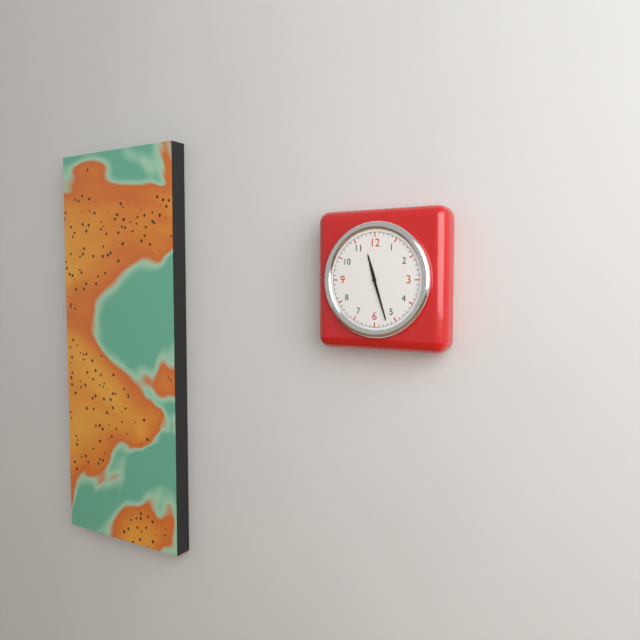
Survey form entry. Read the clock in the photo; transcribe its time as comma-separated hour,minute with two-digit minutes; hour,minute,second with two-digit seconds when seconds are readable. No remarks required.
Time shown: 11,27
